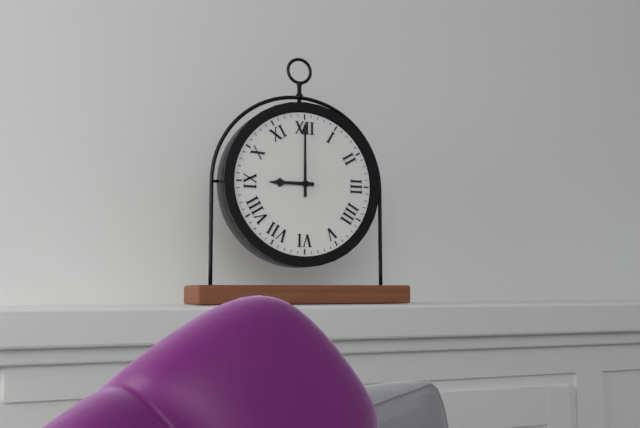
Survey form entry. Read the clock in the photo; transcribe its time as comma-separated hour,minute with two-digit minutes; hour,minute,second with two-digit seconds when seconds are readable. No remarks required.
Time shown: 9,00
